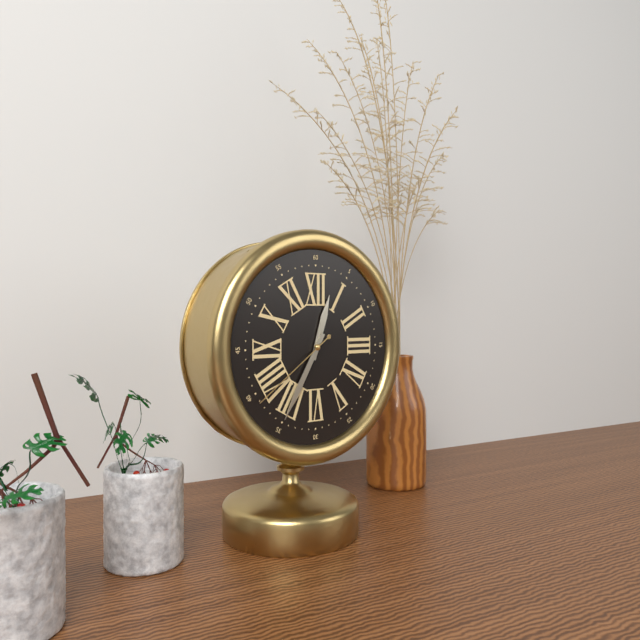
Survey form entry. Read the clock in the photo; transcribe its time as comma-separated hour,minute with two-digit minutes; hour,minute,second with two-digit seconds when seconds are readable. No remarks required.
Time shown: 12,35,39
